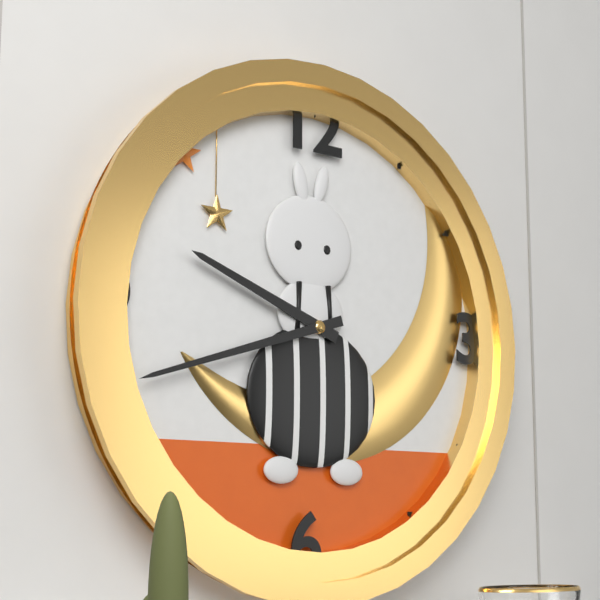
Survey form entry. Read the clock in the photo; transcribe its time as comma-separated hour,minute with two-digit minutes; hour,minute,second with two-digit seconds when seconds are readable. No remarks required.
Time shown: 9,42
